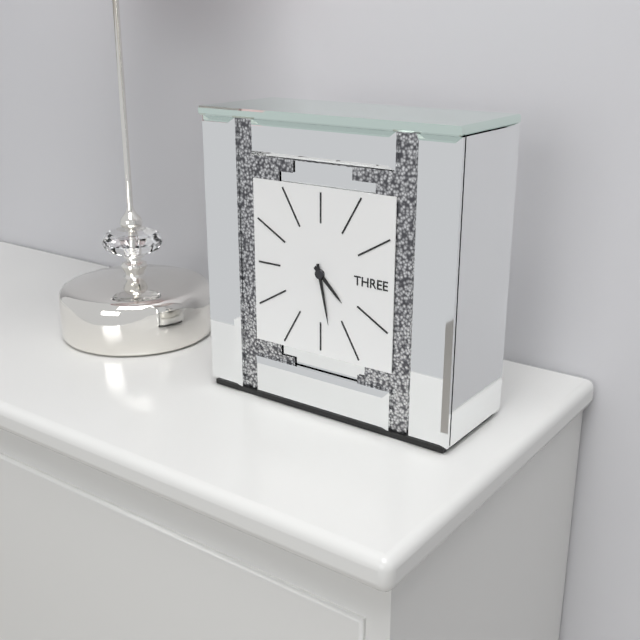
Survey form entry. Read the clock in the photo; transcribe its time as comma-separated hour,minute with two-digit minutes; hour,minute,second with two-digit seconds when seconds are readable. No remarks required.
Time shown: 4,28
